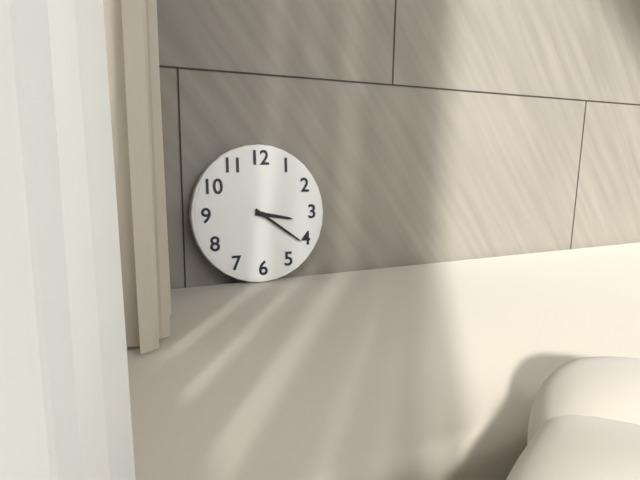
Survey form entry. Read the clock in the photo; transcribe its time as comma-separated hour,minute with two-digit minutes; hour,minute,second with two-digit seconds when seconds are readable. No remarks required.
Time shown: 3,21
